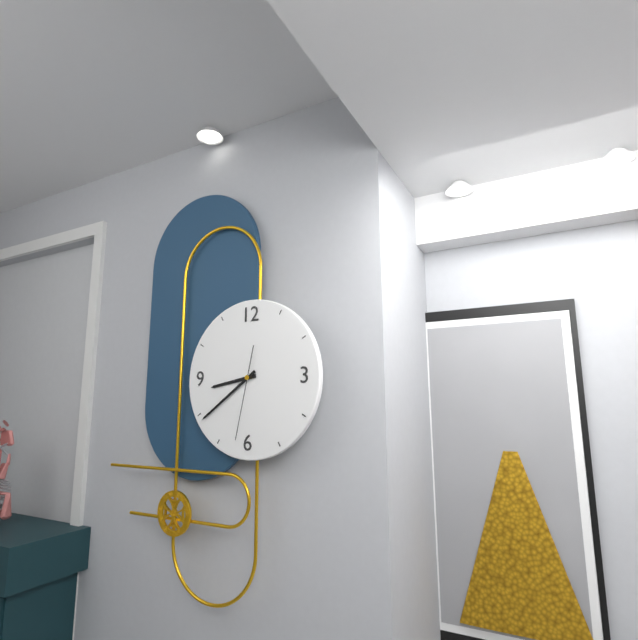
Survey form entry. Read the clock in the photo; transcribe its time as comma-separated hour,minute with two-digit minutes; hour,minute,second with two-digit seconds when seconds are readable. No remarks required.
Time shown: 8,39,32
